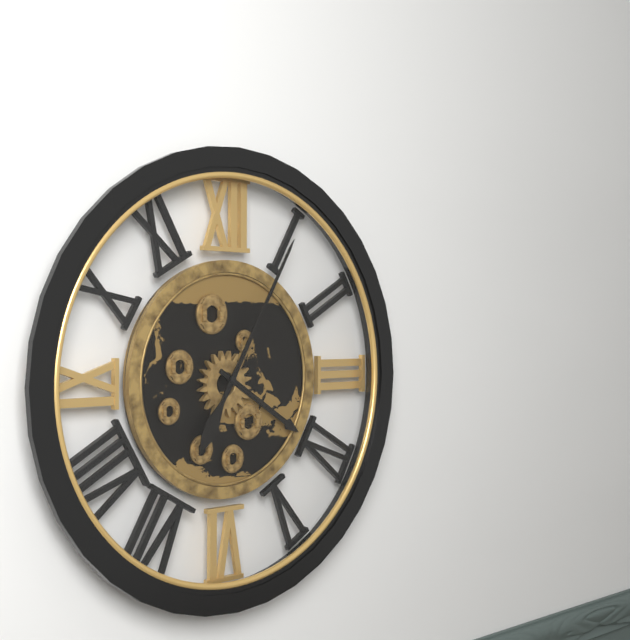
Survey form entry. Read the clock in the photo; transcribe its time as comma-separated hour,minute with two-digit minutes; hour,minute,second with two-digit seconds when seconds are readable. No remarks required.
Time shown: 4,05
